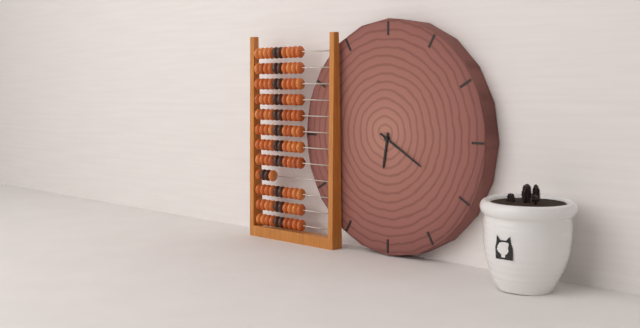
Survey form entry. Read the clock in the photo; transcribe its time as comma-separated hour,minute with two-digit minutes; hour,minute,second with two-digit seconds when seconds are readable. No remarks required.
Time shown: 6,20
